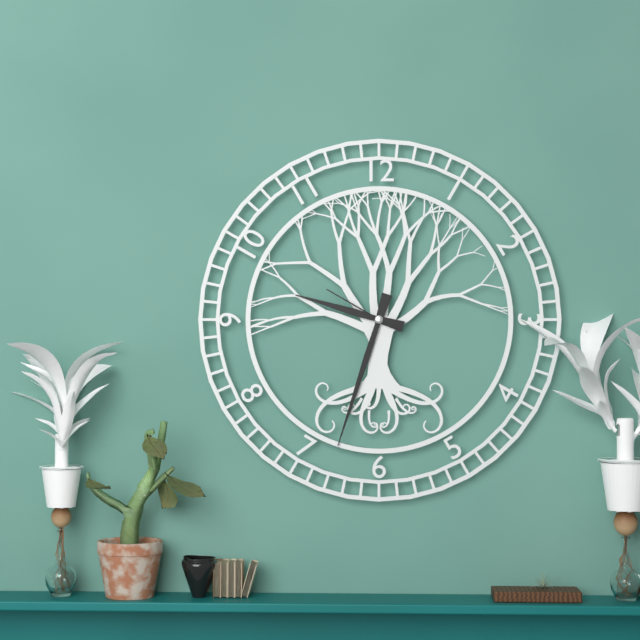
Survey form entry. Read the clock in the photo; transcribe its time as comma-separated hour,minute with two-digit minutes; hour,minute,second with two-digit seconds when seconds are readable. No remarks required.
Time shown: 9,33,50
